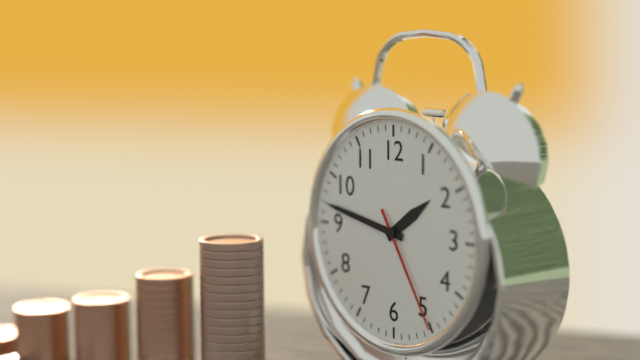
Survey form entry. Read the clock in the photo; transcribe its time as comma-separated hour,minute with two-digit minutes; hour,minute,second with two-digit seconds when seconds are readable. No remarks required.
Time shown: 1,47,25
